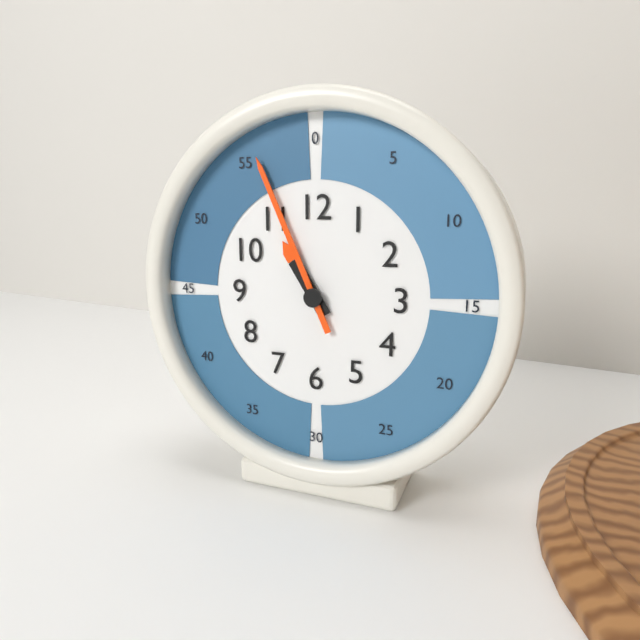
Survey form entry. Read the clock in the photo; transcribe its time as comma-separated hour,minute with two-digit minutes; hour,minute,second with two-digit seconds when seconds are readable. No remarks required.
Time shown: 10,56
